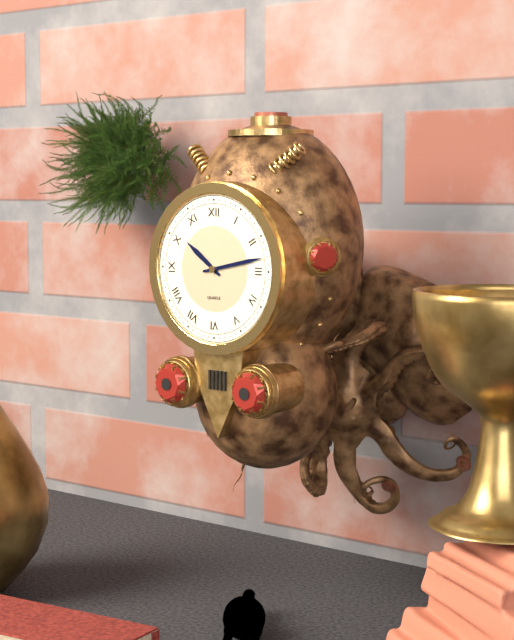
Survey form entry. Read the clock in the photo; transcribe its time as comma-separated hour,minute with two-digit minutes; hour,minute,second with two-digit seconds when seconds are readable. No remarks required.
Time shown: 10,13
